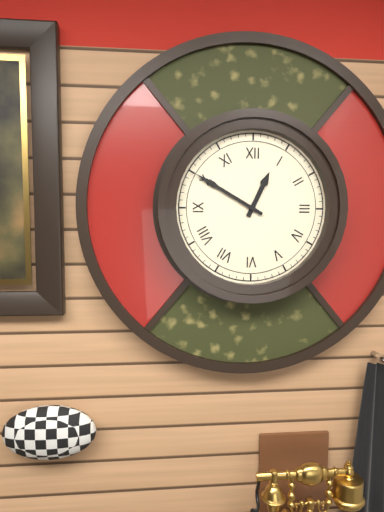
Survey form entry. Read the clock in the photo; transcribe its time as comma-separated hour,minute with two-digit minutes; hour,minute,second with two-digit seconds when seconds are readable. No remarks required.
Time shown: 12,50
